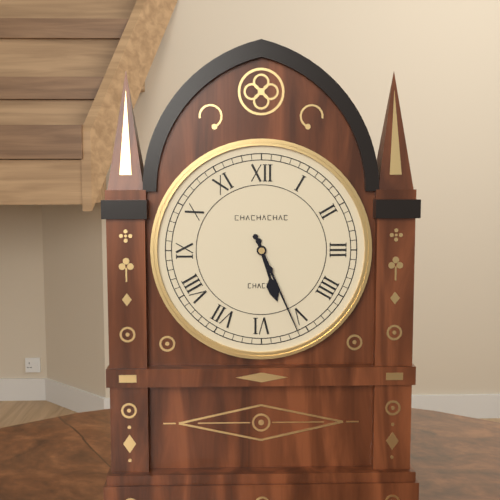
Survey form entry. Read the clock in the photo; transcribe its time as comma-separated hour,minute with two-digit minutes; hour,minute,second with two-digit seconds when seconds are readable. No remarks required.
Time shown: 5,26
